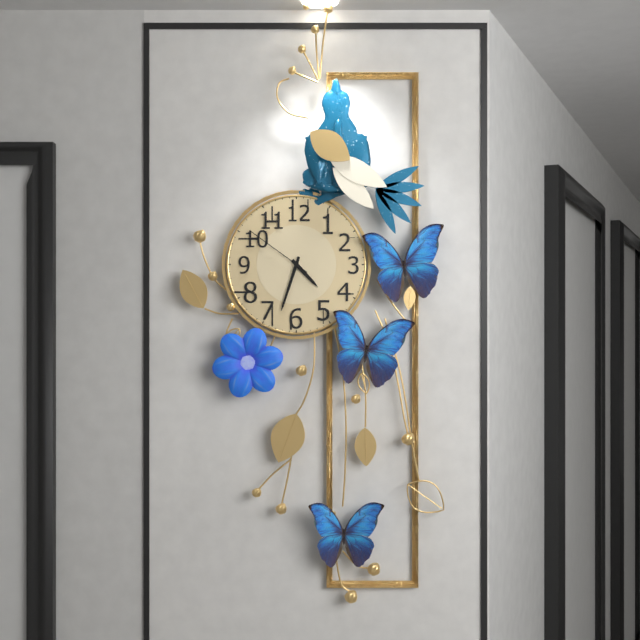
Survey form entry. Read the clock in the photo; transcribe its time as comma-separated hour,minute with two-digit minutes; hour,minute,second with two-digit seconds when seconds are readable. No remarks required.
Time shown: 4,33,51
